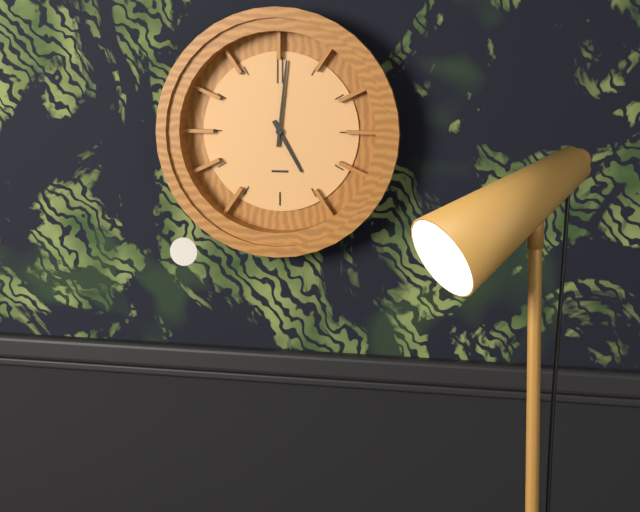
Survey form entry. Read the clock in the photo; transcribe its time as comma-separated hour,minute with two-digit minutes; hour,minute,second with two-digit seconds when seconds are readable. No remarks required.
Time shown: 5,01
